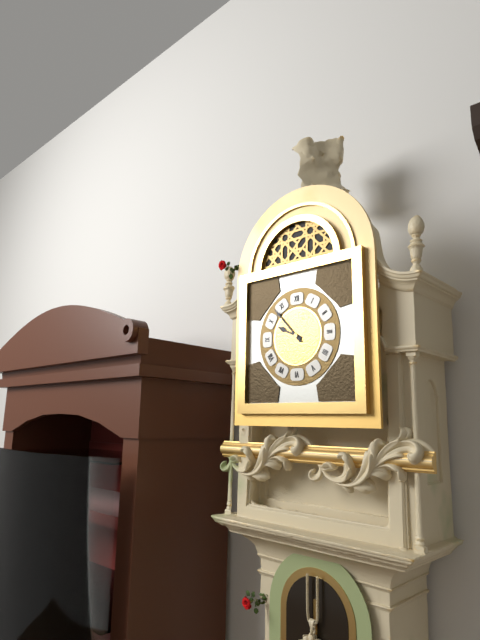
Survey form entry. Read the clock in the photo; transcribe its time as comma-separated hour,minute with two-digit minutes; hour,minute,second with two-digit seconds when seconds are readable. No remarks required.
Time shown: 9,53
